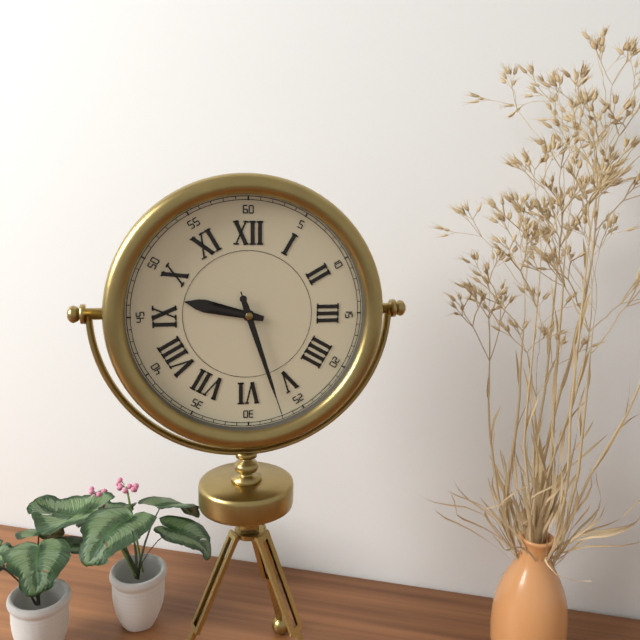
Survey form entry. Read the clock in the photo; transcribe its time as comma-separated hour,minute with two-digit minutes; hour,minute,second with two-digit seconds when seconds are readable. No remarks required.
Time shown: 9,27,27
